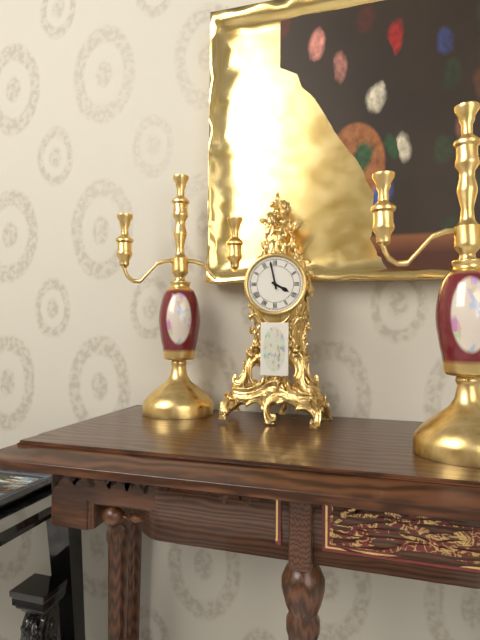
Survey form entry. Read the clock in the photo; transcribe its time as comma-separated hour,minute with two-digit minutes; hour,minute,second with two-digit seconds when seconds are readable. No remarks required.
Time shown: 3,58
